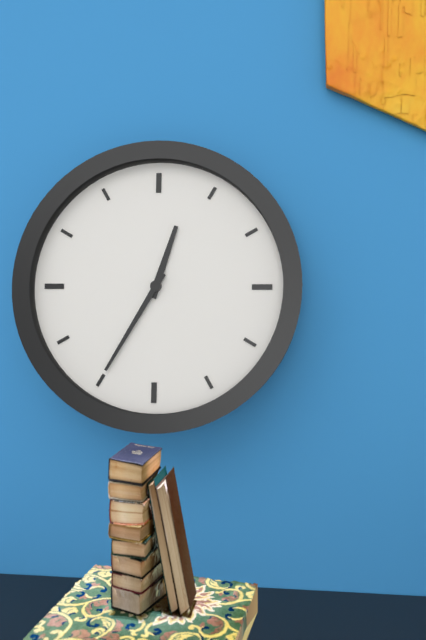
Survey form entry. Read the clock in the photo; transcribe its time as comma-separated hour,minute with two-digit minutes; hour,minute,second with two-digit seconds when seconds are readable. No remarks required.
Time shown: 12,35
